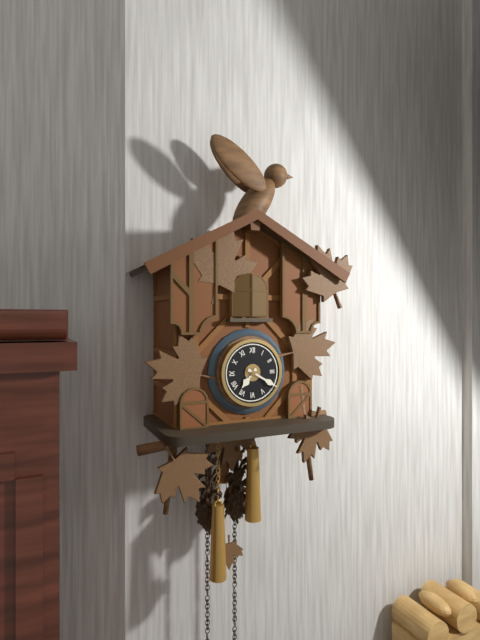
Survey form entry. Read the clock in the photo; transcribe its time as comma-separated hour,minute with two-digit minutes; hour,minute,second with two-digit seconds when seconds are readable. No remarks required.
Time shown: 7,20
